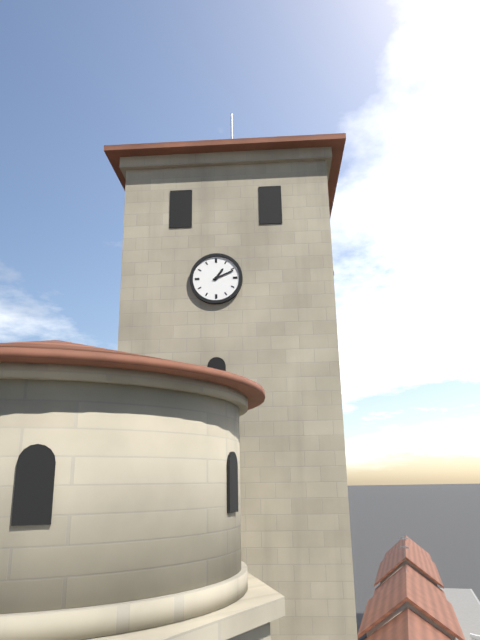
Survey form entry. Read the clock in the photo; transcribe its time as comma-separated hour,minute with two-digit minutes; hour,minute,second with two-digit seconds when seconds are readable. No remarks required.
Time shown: 1,11
